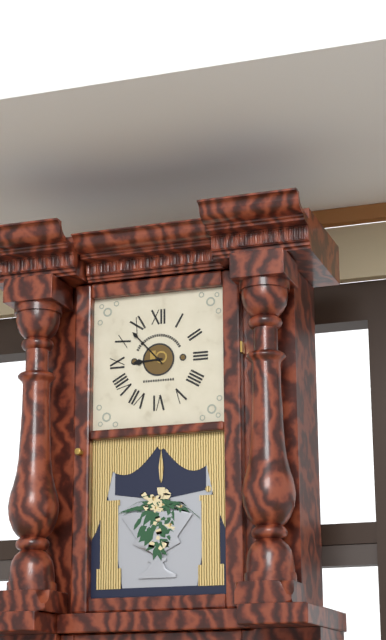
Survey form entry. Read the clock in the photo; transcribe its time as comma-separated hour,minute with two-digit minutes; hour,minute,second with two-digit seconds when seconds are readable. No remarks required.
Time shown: 8,53
